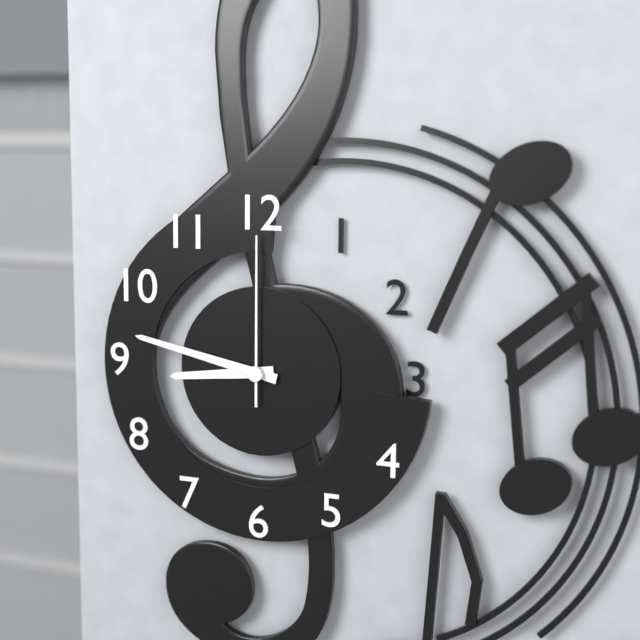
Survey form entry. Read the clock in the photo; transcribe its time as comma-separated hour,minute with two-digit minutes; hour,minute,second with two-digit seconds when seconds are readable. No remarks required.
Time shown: 8,47,00
